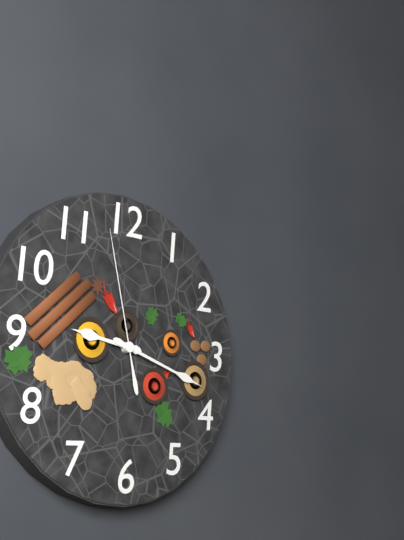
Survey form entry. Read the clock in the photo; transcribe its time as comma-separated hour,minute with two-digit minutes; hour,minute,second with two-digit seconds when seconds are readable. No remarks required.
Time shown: 9,18,58
